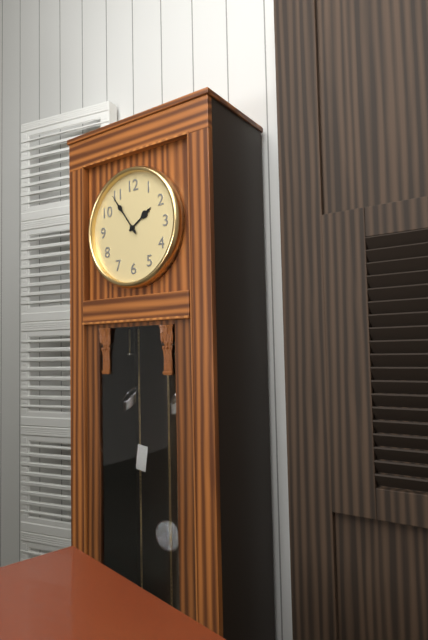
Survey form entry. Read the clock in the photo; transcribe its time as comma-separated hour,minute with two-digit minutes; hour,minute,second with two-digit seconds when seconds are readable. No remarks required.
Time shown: 1,54
